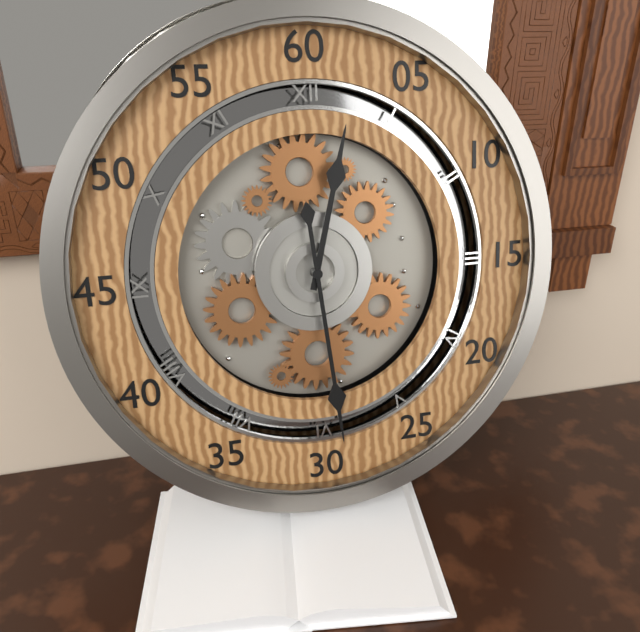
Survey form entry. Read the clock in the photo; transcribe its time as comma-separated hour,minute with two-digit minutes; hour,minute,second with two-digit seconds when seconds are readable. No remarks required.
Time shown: 12,29
